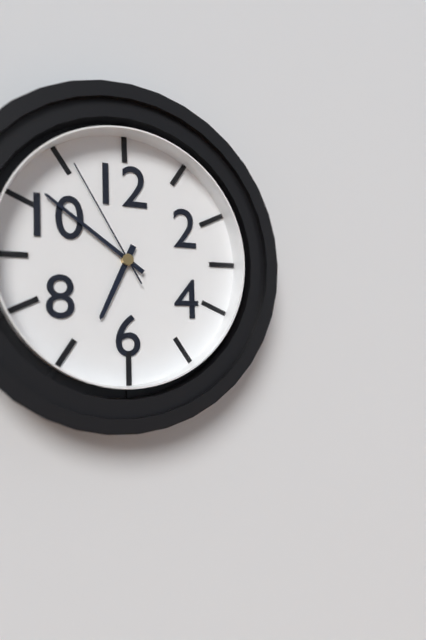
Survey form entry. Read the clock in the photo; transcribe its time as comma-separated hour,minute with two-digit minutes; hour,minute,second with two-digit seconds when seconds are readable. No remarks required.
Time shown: 6,51,55
